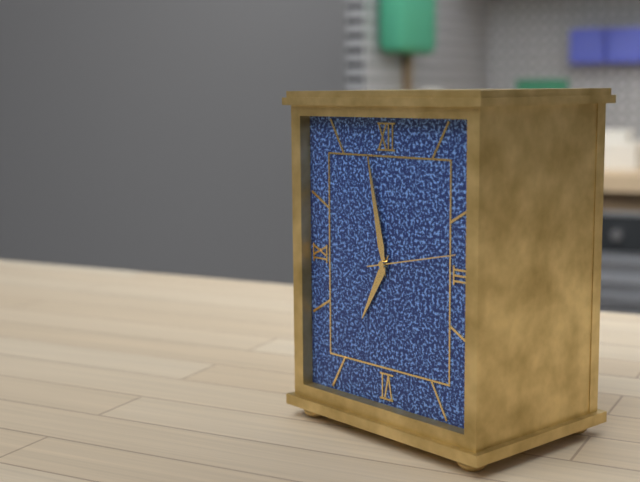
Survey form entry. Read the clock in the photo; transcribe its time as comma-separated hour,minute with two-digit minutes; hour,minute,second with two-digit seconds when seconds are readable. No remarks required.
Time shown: 6,58,13
